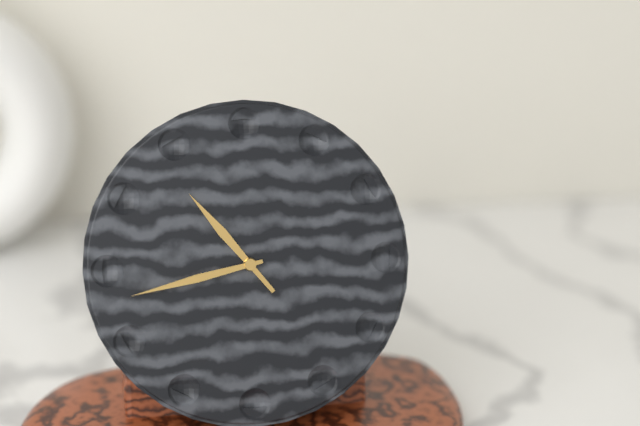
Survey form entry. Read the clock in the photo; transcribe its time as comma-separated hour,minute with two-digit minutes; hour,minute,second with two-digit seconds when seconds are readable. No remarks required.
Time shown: 10,43
